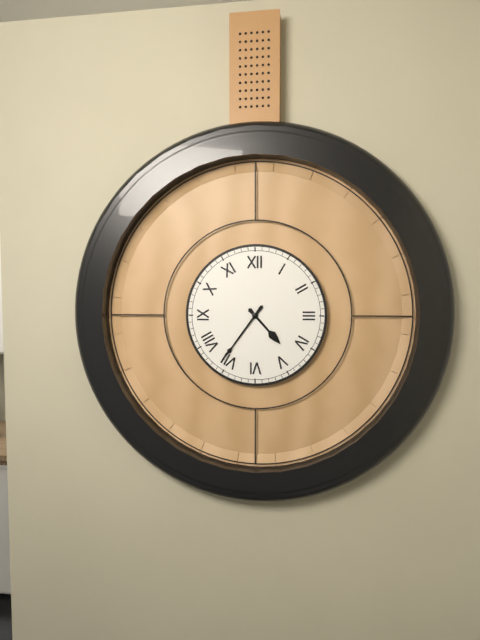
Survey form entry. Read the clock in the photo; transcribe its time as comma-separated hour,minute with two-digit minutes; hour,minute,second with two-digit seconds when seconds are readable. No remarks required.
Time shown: 4,36
